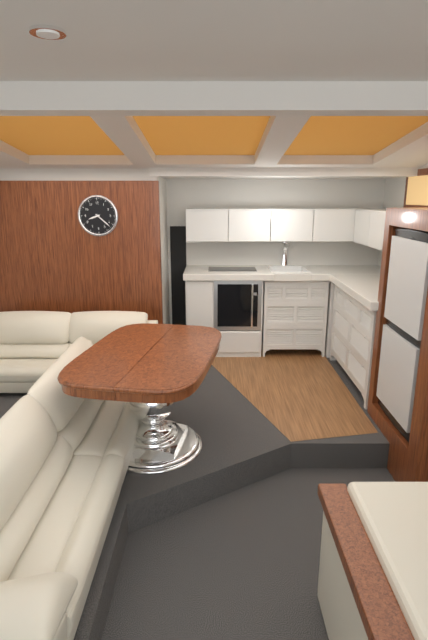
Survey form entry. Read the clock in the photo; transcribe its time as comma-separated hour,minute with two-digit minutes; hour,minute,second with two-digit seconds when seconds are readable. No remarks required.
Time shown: 8,22
